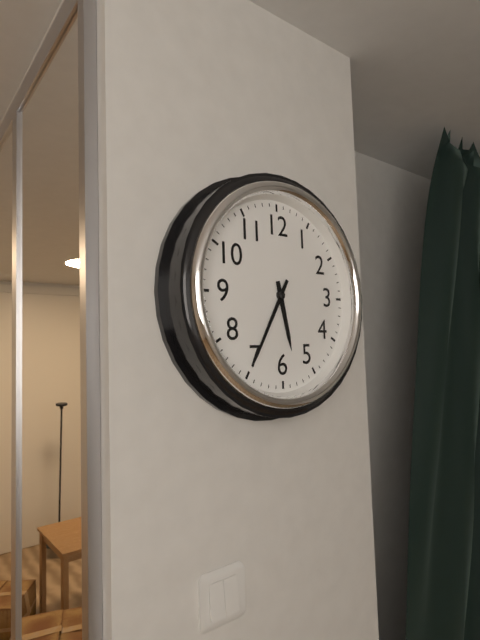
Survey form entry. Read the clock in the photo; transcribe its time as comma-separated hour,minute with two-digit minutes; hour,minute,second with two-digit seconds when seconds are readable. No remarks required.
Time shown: 5,35
